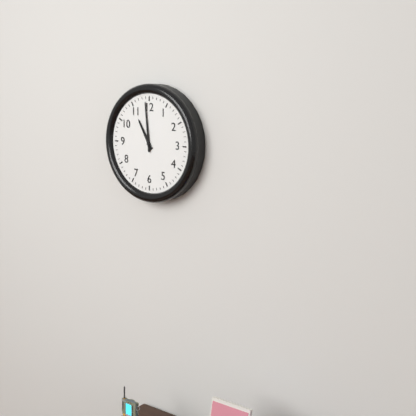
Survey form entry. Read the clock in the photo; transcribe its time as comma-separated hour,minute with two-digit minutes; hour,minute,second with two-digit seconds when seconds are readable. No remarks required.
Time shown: 10,59
